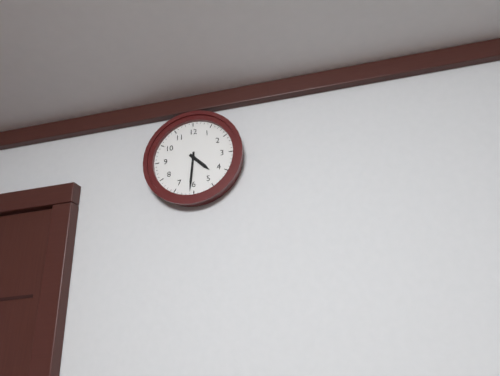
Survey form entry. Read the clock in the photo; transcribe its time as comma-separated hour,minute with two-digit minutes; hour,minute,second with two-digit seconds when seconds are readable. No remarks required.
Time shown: 4,31
